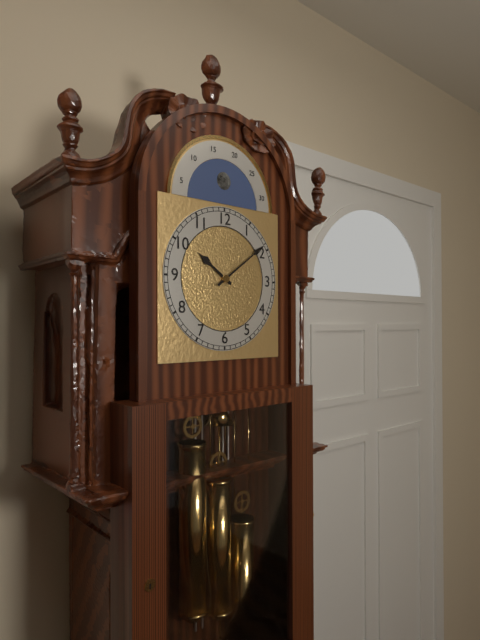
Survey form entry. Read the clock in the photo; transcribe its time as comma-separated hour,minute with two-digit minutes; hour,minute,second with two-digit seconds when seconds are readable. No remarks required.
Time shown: 10,09
